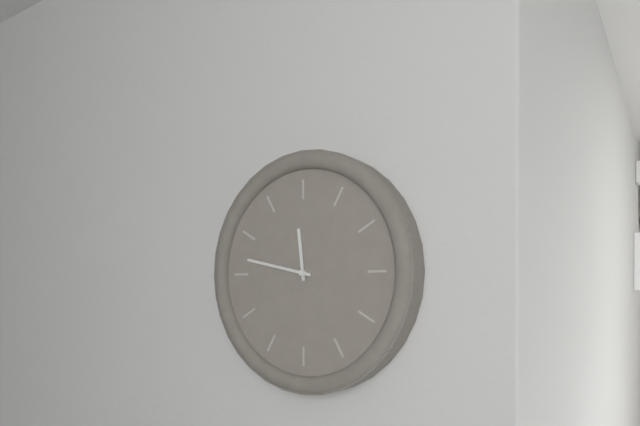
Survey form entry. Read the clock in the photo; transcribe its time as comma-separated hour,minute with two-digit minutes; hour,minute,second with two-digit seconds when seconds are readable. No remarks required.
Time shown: 11,47
